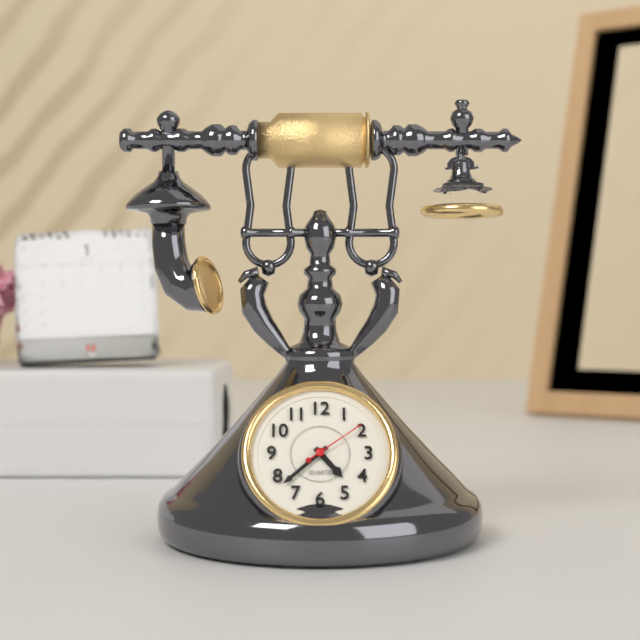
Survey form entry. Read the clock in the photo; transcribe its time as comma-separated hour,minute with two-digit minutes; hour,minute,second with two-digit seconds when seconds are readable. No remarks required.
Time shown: 4,38,09
